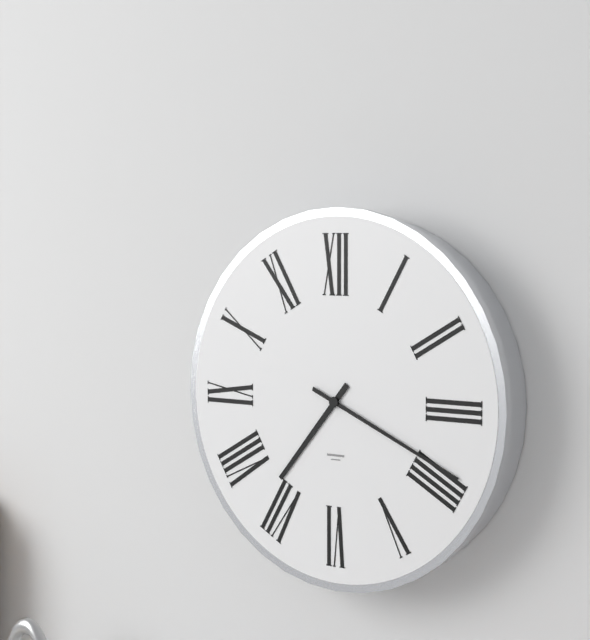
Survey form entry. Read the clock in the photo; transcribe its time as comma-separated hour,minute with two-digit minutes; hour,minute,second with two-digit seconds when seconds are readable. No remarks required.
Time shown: 7,19
